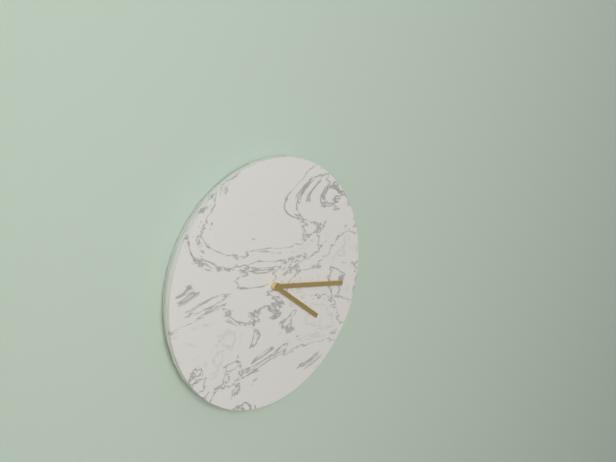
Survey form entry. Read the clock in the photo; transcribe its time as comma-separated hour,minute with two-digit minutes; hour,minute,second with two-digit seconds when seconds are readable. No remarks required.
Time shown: 4,17
